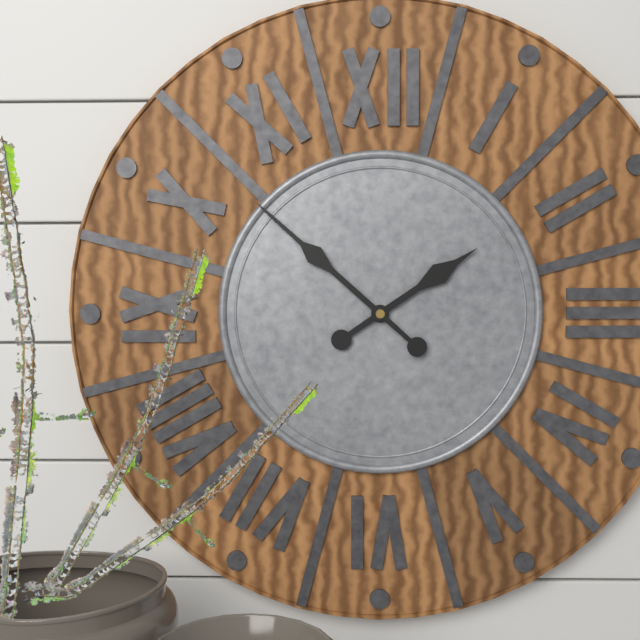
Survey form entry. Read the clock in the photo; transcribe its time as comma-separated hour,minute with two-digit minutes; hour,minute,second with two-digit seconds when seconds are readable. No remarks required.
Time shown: 1,52
